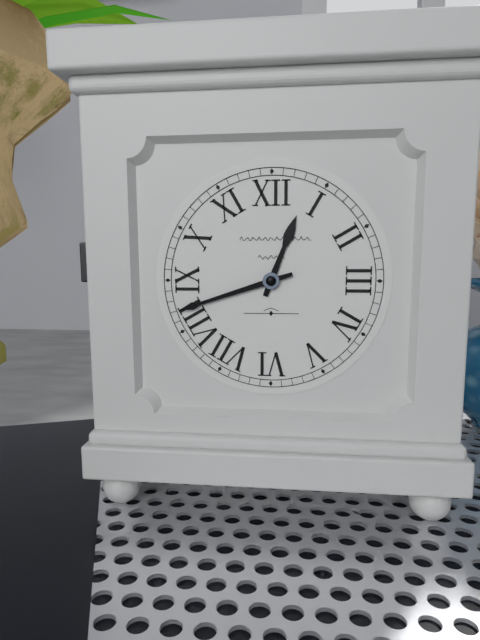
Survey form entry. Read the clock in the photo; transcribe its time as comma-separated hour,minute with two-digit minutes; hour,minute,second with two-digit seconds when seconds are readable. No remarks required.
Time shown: 12,42
